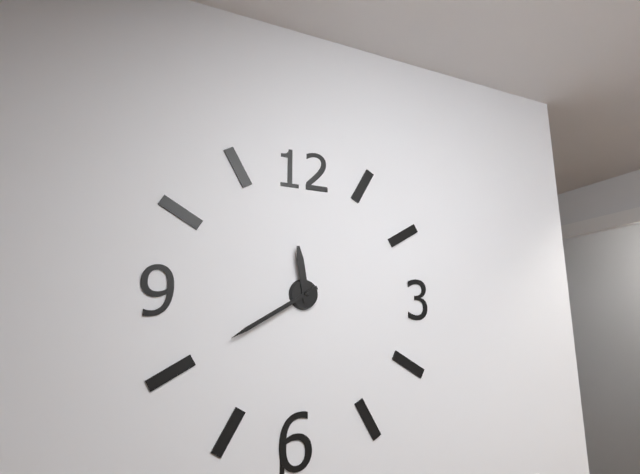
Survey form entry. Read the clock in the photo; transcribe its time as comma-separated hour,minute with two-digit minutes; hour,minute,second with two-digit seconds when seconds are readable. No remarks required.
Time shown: 11,40
